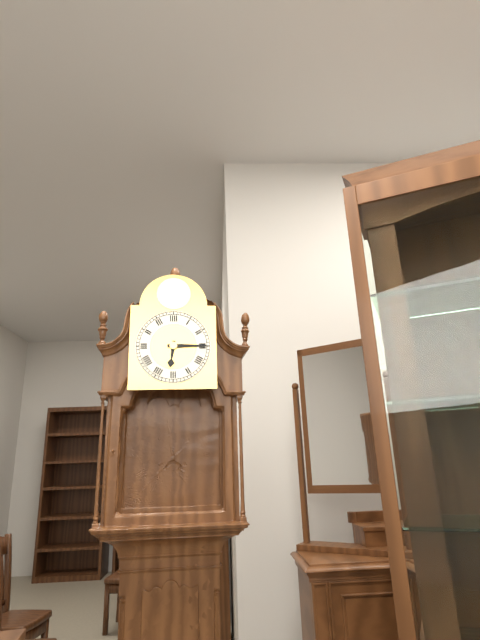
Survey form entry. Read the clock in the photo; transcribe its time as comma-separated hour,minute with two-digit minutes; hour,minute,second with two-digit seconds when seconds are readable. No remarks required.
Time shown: 6,15
